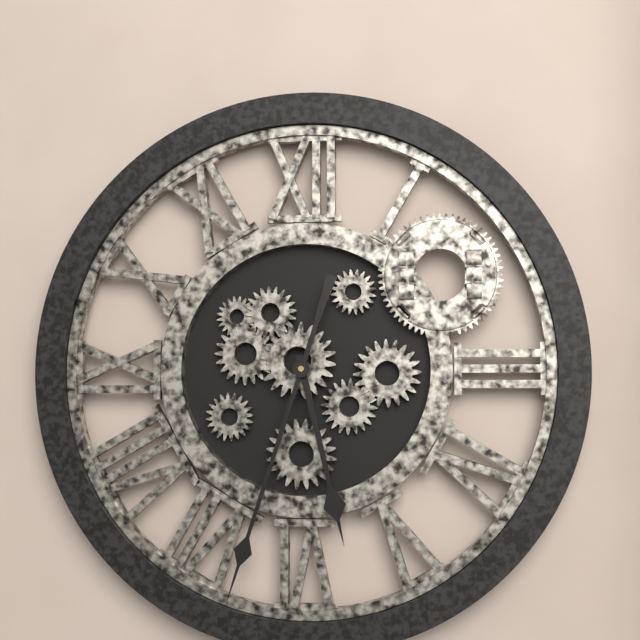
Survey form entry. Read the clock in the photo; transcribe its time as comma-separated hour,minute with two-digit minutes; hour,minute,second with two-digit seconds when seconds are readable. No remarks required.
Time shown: 5,33
